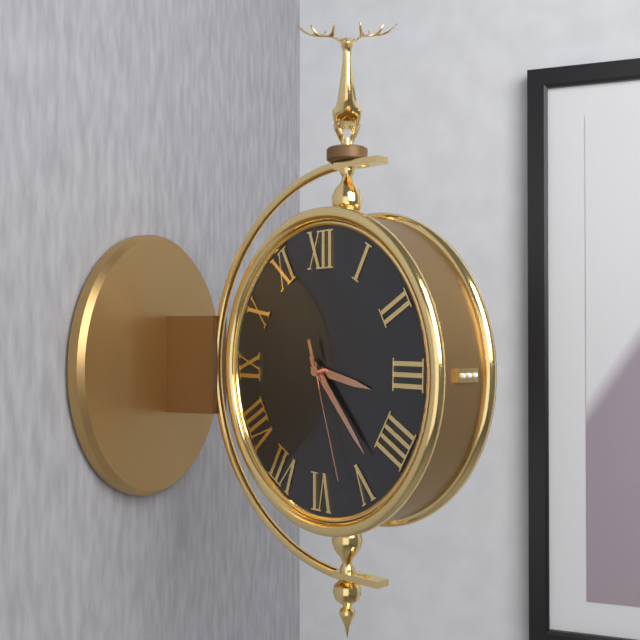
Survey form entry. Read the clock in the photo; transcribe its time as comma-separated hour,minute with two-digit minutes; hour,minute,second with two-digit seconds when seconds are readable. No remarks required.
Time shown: 3,23,27
